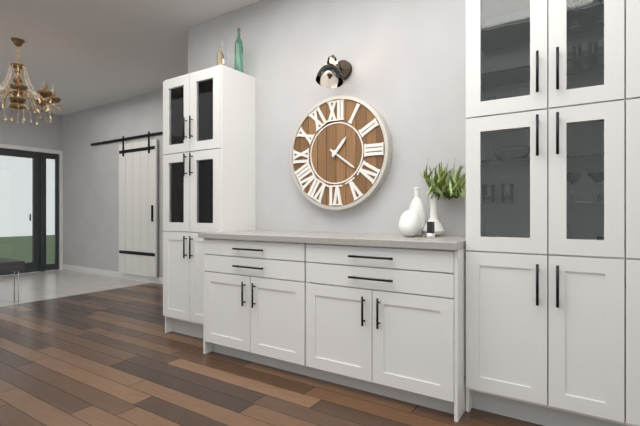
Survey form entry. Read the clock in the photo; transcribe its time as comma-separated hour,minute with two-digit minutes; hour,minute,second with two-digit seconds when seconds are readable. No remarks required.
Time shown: 1,21
